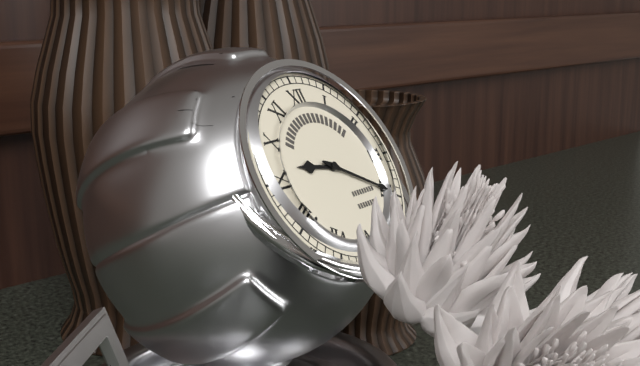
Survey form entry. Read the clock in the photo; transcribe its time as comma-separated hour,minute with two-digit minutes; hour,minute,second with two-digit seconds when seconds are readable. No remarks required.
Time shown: 9,20
